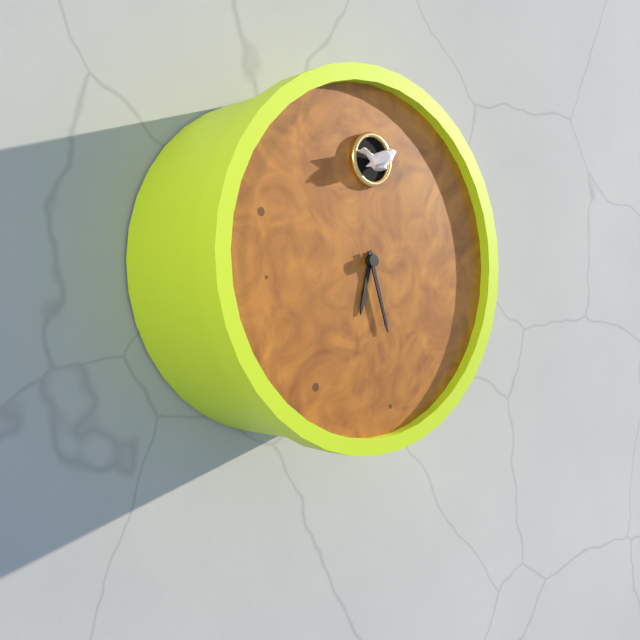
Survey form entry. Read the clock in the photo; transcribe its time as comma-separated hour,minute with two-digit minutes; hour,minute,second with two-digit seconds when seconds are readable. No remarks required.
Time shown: 6,27
